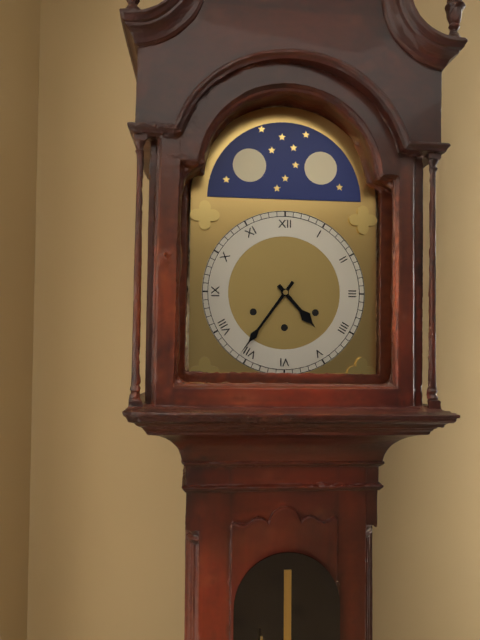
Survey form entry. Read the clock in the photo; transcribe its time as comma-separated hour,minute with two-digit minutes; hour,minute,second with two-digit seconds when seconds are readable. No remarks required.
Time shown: 4,36
